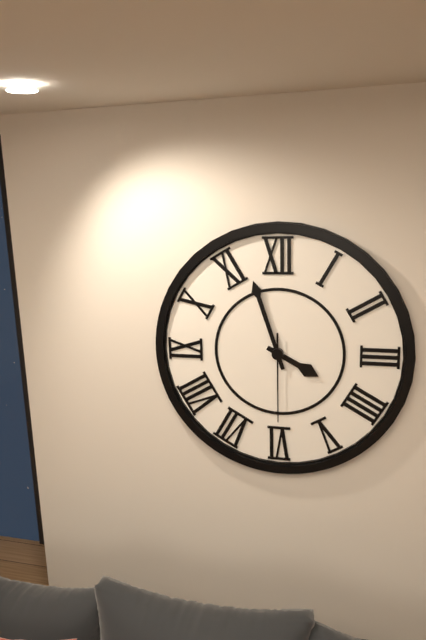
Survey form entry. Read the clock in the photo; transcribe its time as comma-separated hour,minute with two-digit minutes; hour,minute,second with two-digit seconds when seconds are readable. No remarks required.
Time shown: 3,57,30
